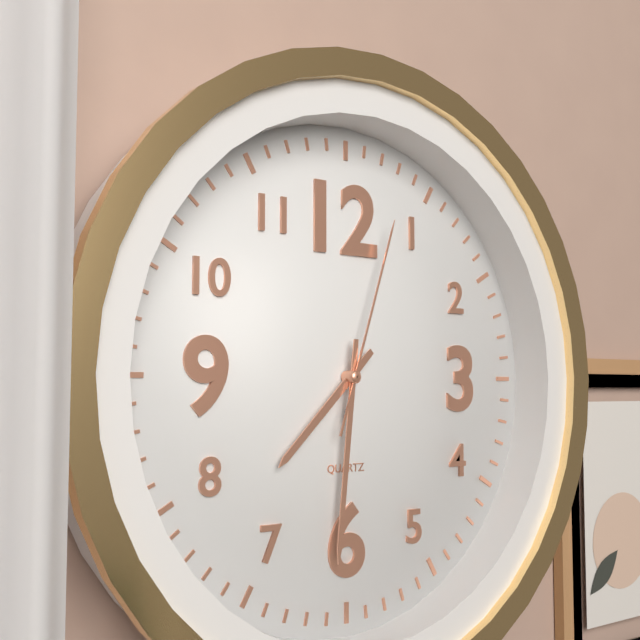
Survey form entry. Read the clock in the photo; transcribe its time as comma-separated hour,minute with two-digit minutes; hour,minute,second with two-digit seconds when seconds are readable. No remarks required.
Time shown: 7,31,03
